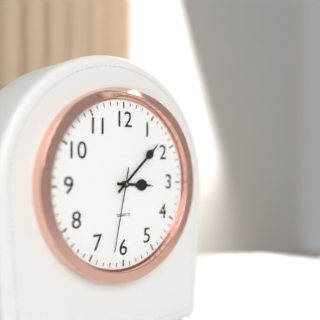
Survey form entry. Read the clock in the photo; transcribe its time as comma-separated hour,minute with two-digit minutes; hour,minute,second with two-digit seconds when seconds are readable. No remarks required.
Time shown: 3,08,32
